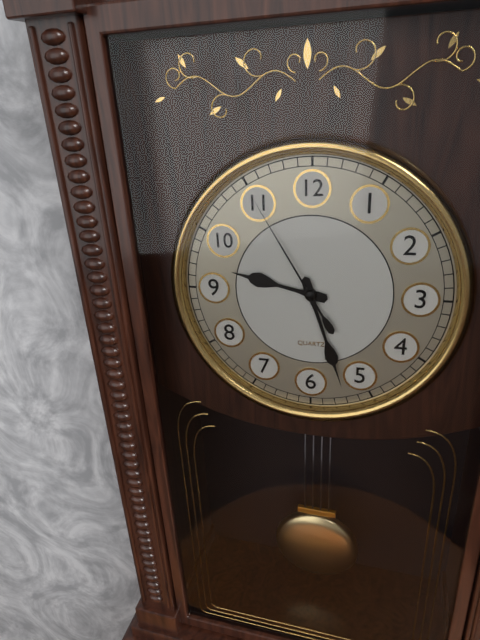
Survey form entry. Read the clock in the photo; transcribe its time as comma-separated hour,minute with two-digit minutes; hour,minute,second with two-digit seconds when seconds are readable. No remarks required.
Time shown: 9,27,55
